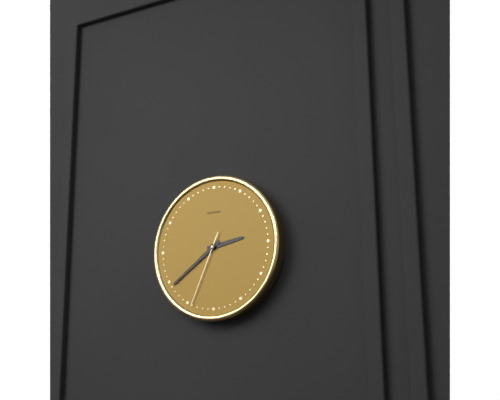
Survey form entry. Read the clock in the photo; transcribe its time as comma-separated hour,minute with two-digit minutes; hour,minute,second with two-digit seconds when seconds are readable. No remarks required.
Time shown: 2,39,34
